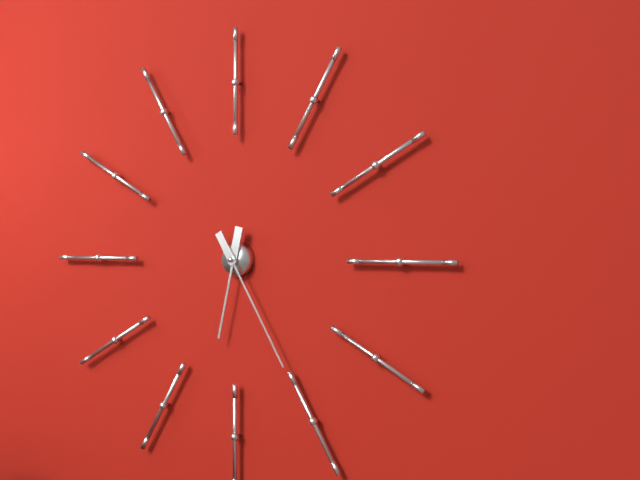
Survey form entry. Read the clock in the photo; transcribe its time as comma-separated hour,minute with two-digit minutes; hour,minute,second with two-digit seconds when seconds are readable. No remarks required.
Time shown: 6,25
